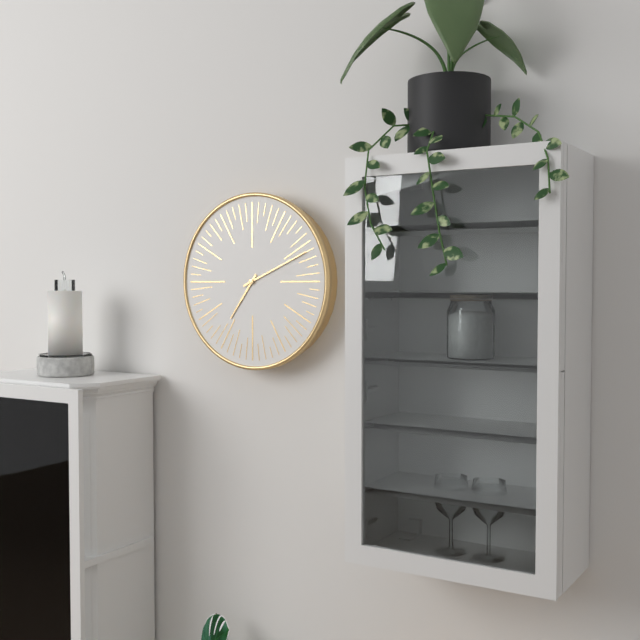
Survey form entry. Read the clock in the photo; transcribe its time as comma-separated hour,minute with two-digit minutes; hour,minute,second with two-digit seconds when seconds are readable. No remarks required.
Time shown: 7,11
